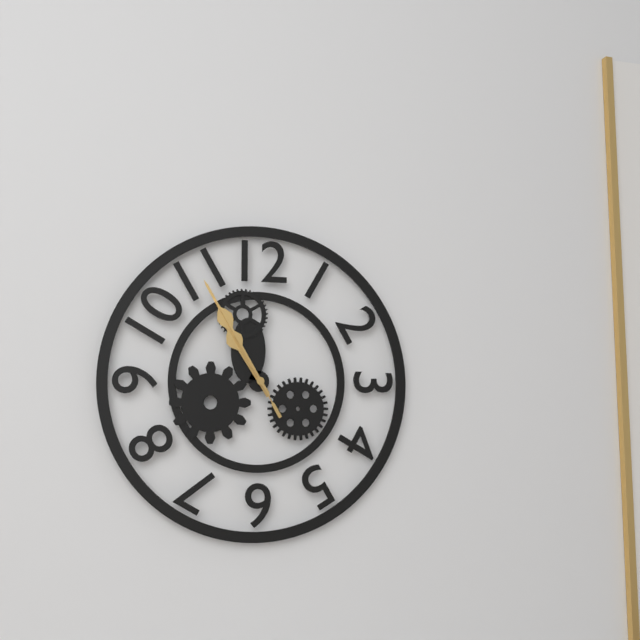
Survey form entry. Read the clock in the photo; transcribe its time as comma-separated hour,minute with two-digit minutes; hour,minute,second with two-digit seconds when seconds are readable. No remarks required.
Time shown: 10,55,55
